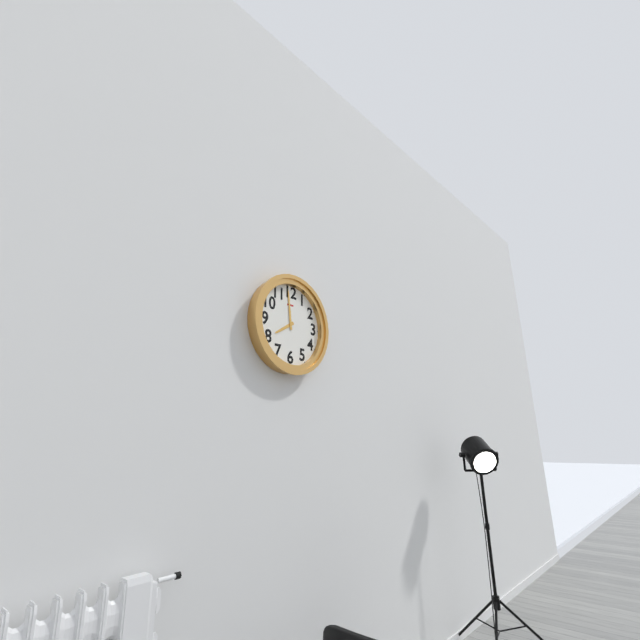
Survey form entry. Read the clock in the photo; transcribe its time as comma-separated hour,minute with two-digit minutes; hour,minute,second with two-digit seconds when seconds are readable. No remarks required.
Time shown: 7,59
